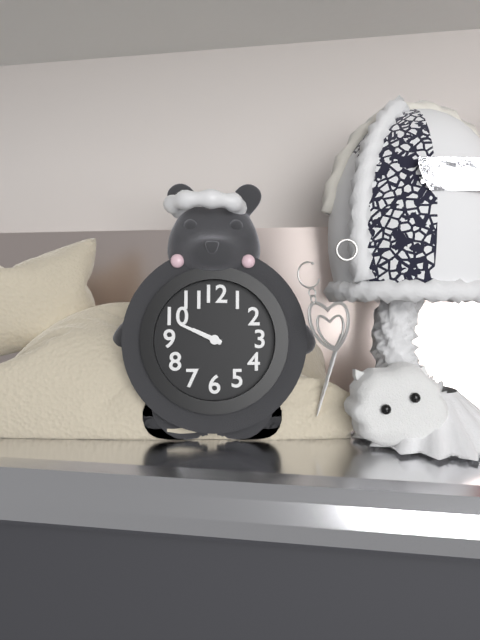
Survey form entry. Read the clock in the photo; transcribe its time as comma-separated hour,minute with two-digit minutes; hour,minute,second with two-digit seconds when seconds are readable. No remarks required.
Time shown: 9,49
